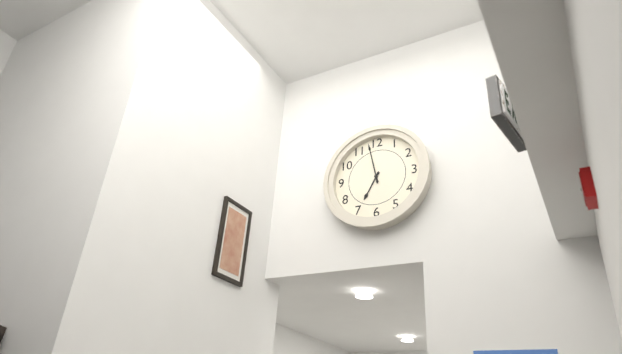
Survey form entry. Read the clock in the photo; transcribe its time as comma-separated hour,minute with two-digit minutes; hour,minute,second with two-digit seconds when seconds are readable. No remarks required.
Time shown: 6,58
